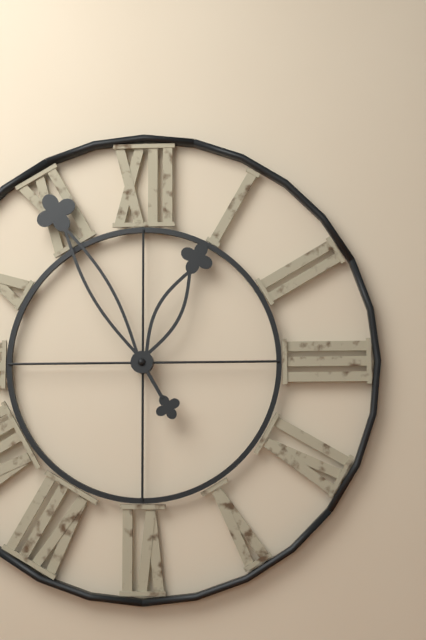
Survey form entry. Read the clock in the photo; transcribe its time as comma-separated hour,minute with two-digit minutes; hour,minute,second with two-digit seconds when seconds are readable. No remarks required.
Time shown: 12,55
